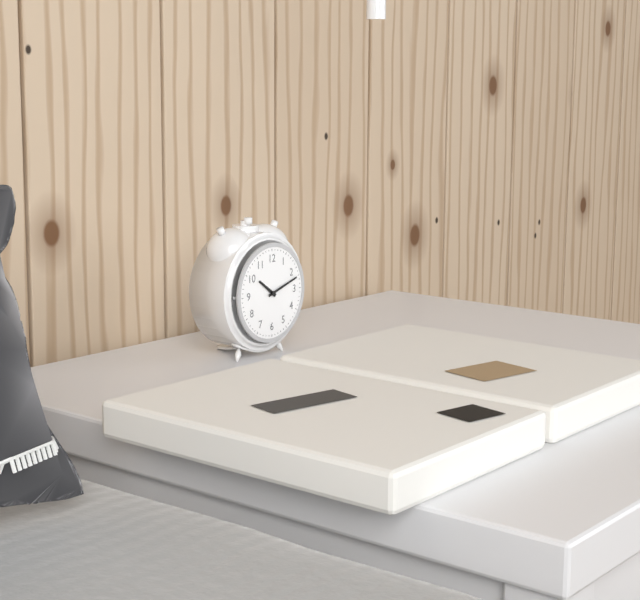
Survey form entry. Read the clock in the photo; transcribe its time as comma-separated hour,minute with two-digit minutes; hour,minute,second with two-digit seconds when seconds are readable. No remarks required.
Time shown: 10,12
